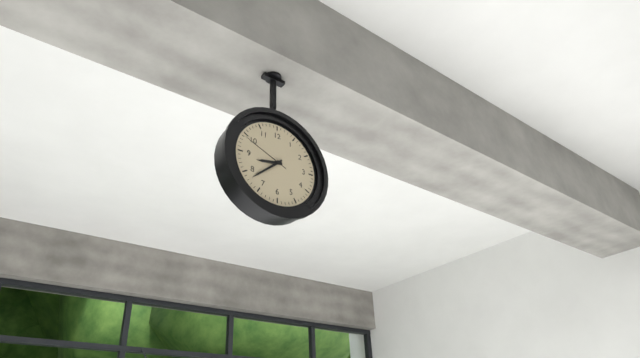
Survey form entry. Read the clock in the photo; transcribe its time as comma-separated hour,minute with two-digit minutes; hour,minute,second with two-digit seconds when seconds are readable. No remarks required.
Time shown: 8,38,49
